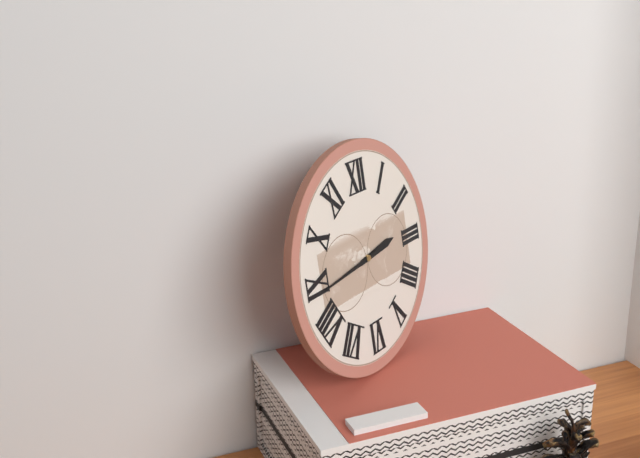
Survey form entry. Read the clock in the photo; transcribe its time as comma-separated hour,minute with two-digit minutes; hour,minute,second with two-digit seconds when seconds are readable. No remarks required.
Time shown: 2,44
